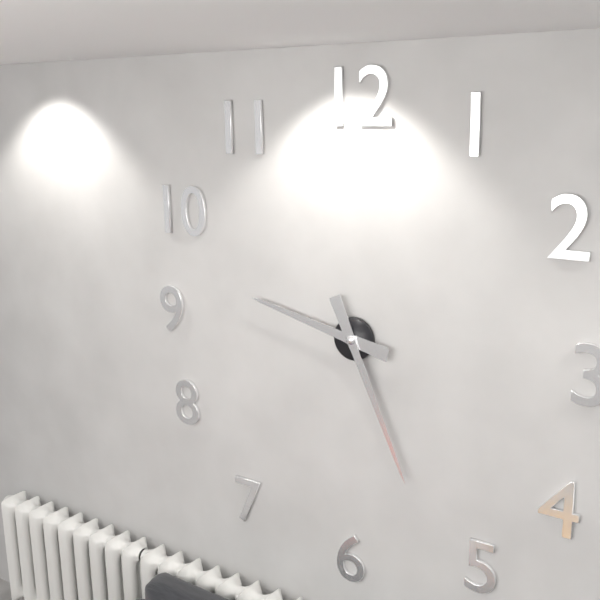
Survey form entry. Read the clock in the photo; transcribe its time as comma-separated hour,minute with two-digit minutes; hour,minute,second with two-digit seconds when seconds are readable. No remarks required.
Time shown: 9,26
